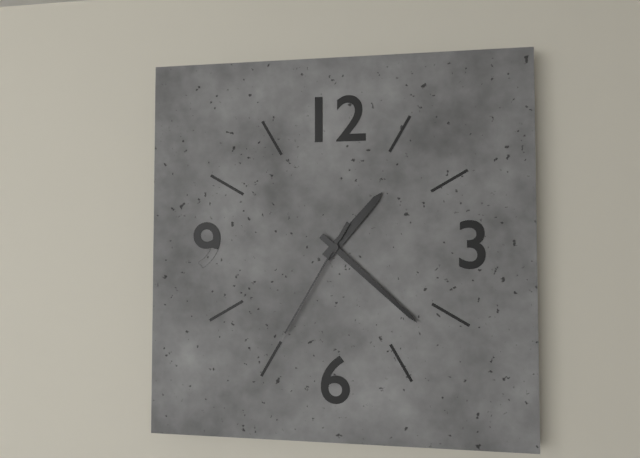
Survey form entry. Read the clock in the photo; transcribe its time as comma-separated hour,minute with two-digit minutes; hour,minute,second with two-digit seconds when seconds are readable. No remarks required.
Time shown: 1,22,35
